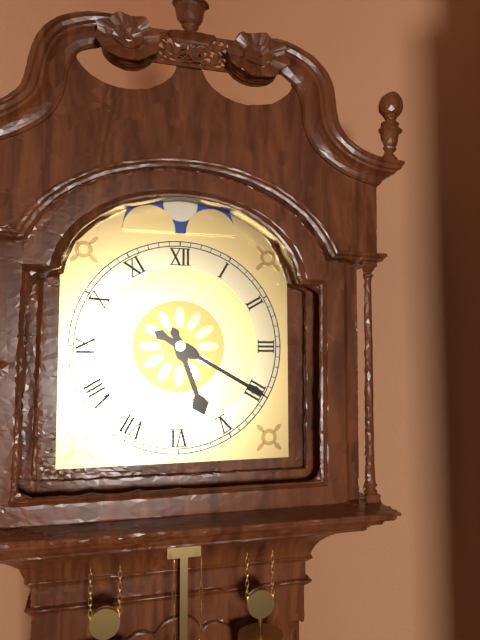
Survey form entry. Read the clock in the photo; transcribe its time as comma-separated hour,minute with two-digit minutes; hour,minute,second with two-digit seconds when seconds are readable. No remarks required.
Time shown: 5,20
